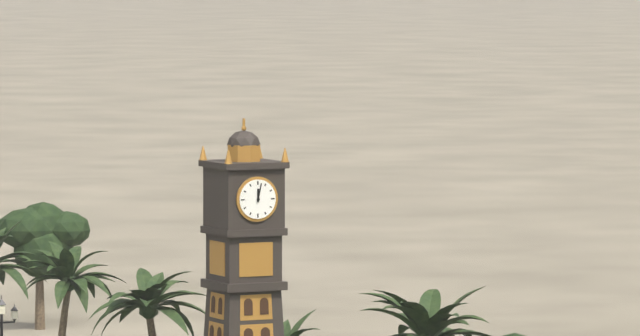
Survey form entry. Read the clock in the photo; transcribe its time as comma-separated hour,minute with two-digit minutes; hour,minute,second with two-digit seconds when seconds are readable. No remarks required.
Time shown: 12,02
